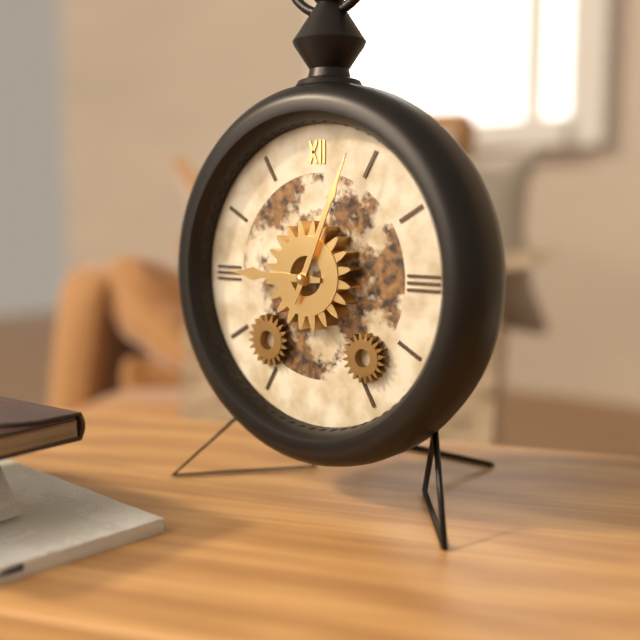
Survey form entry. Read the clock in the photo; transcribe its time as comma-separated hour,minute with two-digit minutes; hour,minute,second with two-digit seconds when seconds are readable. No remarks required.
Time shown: 9,04
